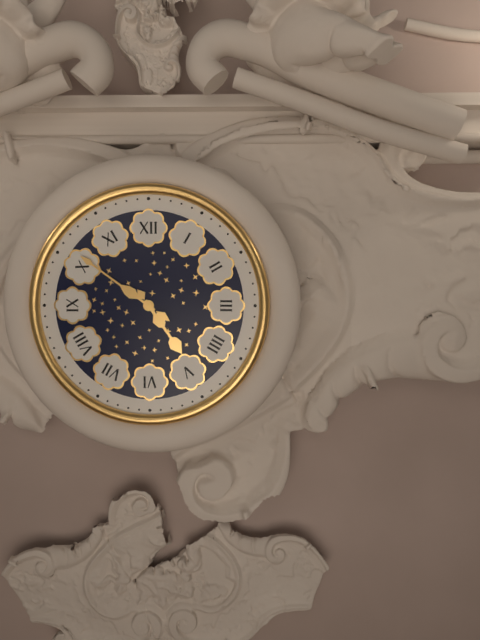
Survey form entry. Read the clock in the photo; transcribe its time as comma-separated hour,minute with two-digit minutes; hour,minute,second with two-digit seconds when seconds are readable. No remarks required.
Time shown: 4,51
